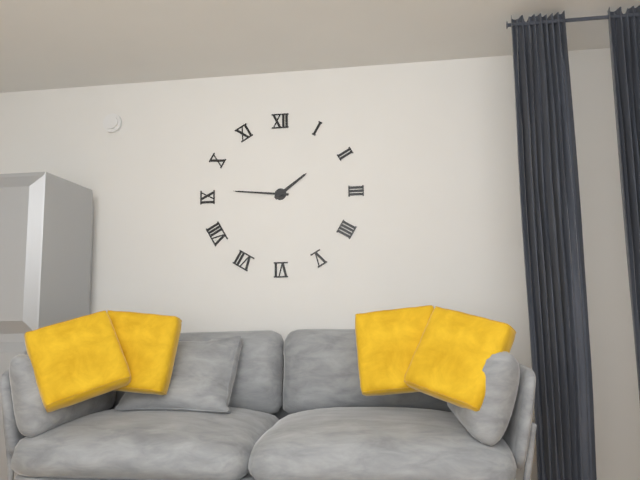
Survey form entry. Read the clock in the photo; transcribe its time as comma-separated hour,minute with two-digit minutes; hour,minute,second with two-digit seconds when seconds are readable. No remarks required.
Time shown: 1,46
